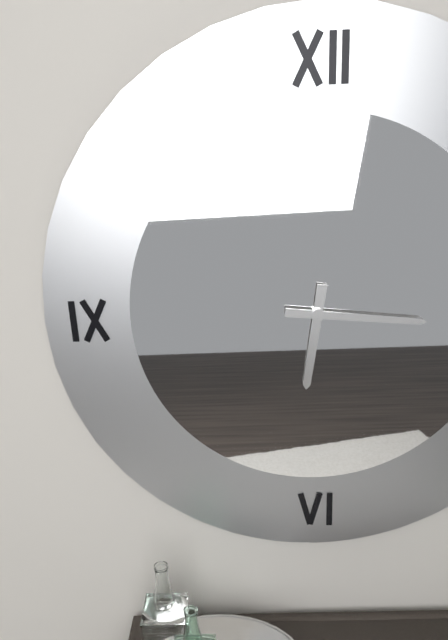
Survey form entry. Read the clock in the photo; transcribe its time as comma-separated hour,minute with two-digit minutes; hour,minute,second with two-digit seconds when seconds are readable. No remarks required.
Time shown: 6,16
